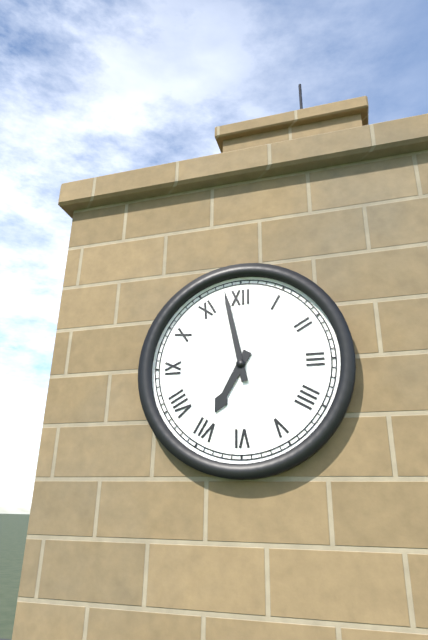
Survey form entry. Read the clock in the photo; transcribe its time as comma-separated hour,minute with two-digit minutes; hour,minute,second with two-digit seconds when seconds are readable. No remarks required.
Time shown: 6,58
